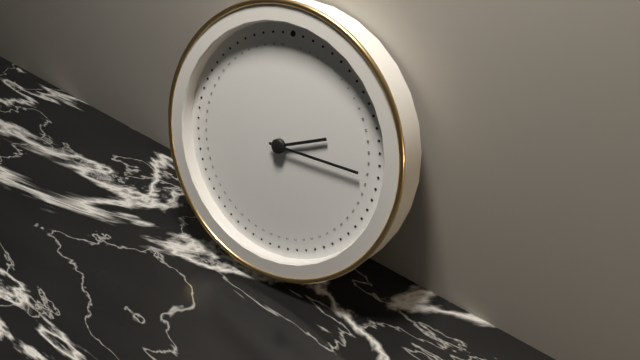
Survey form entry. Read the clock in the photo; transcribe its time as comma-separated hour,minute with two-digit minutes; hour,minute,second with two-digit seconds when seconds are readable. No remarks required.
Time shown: 2,15
